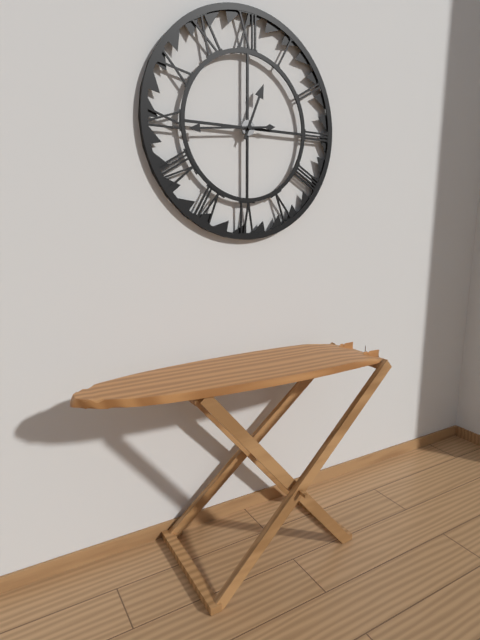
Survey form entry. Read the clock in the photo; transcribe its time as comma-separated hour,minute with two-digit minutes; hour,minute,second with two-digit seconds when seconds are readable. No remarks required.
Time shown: 12,44
